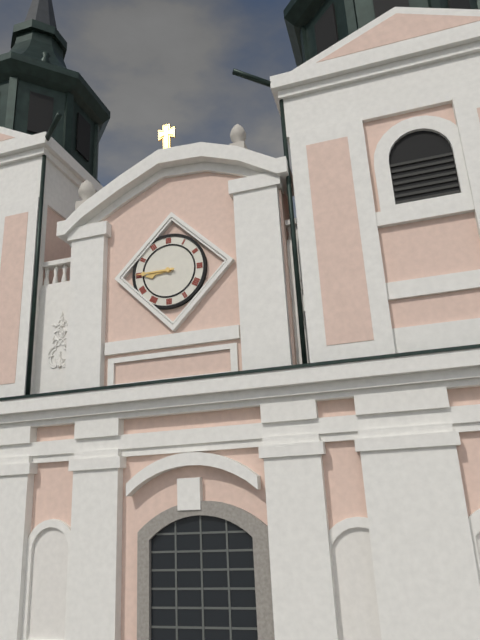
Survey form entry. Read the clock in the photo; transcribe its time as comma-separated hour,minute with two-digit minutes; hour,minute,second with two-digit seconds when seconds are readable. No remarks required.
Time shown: 8,45
